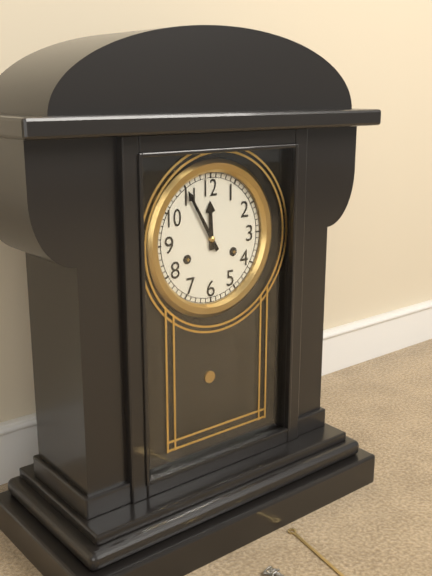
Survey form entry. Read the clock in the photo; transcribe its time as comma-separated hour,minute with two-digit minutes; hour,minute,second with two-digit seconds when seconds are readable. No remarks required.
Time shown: 11,55
